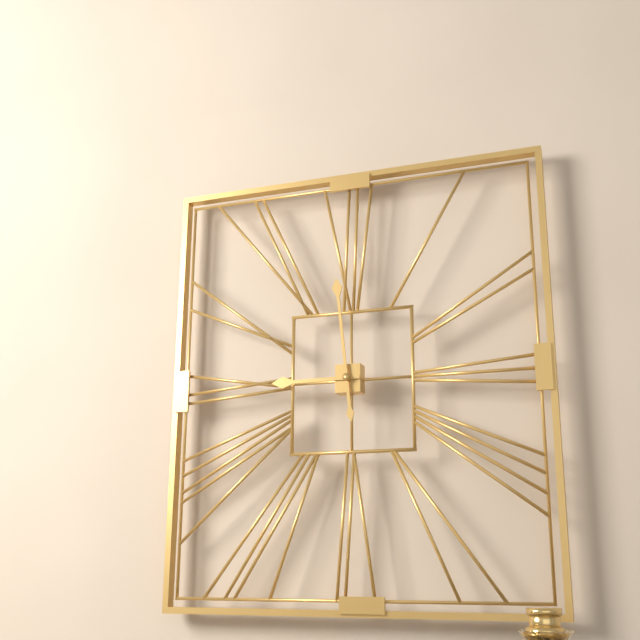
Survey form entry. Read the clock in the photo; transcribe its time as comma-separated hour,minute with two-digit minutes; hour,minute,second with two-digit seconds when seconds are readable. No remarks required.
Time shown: 8,59
